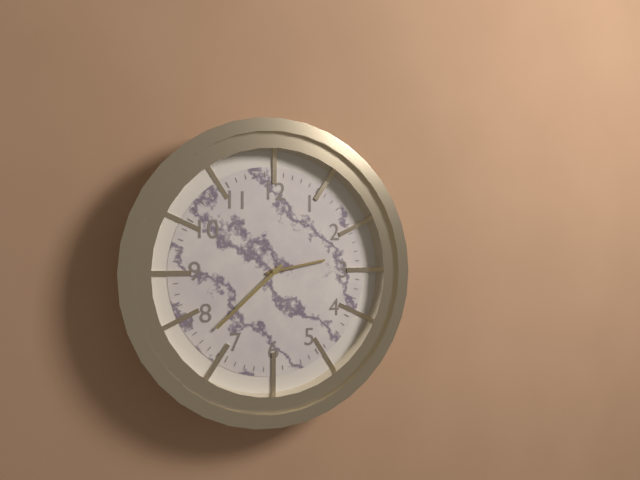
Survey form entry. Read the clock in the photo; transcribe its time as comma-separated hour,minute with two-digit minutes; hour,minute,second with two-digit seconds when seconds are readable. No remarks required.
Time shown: 2,38
